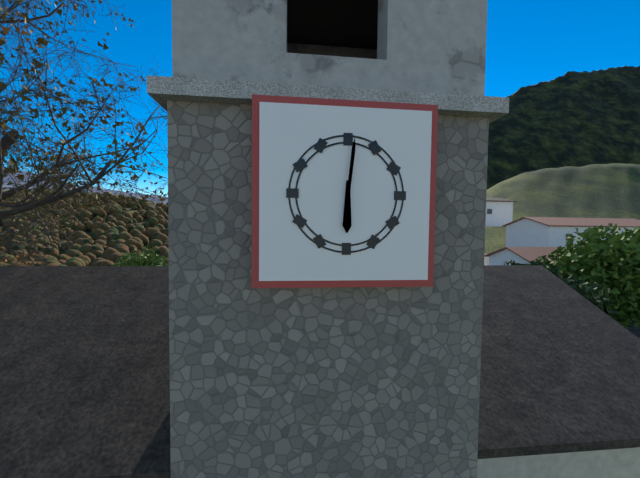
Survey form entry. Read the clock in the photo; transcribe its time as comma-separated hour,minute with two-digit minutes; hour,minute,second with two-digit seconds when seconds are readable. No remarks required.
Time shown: 6,01
